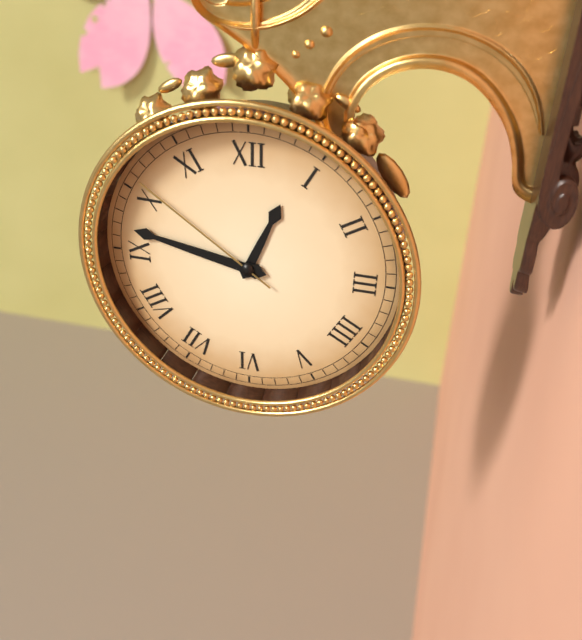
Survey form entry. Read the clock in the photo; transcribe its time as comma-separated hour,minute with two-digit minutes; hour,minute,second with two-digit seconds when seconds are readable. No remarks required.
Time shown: 12,47,51
